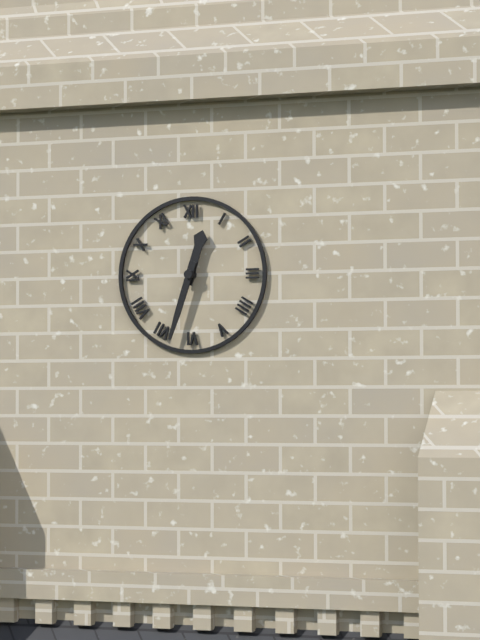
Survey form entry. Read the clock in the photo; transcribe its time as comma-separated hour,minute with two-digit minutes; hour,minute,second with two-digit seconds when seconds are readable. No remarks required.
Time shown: 12,33
